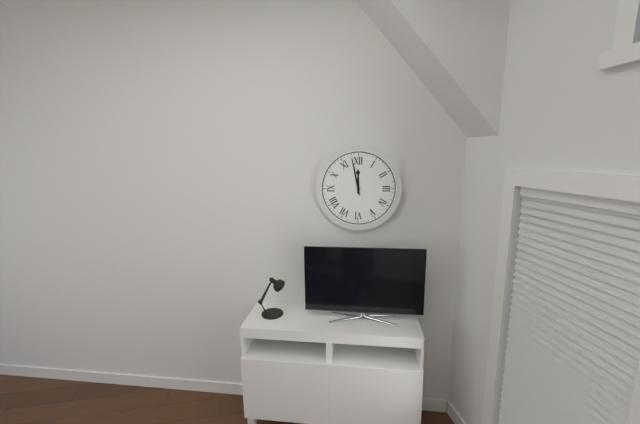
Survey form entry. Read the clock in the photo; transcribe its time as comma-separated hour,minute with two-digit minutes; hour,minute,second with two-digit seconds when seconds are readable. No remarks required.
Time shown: 11,58
